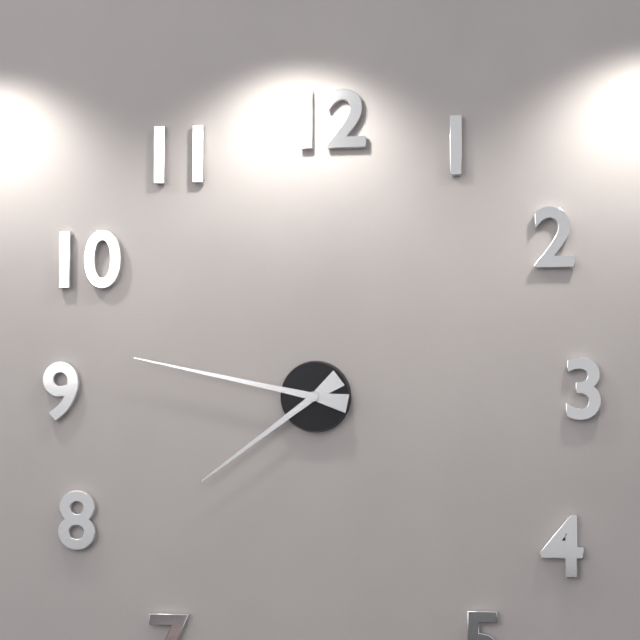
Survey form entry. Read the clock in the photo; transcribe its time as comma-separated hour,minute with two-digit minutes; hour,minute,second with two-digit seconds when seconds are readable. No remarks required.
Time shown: 7,47
